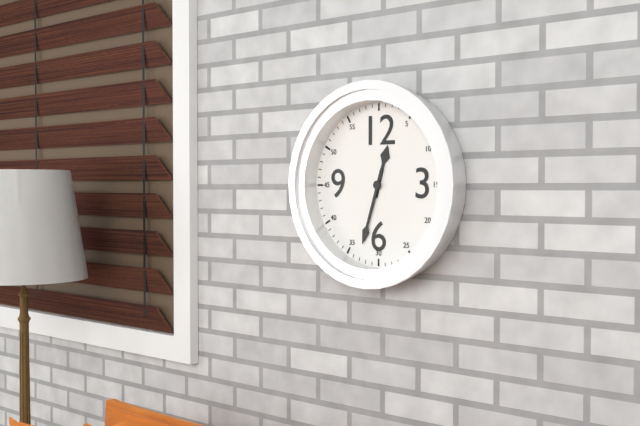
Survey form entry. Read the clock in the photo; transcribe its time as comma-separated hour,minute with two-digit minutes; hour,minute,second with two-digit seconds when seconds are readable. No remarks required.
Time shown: 12,33
